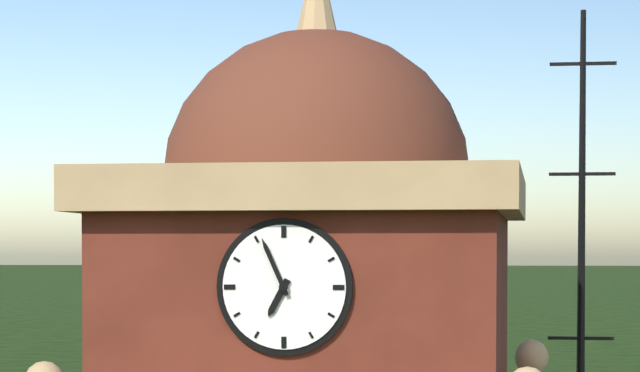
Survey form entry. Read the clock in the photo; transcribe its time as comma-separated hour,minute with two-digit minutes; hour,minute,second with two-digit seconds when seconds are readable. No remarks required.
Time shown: 6,56
